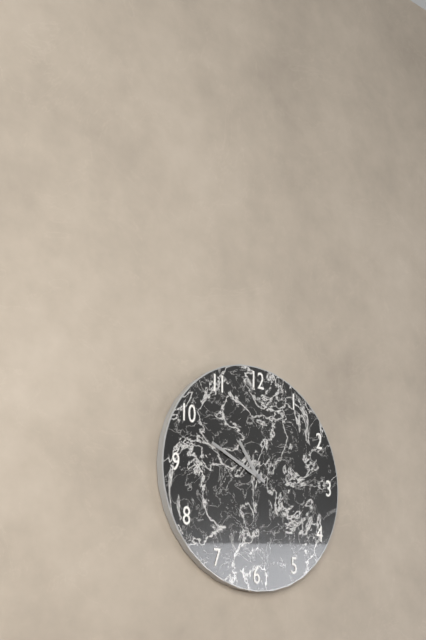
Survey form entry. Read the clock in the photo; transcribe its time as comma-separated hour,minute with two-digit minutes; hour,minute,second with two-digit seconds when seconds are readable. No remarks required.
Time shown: 10,49
